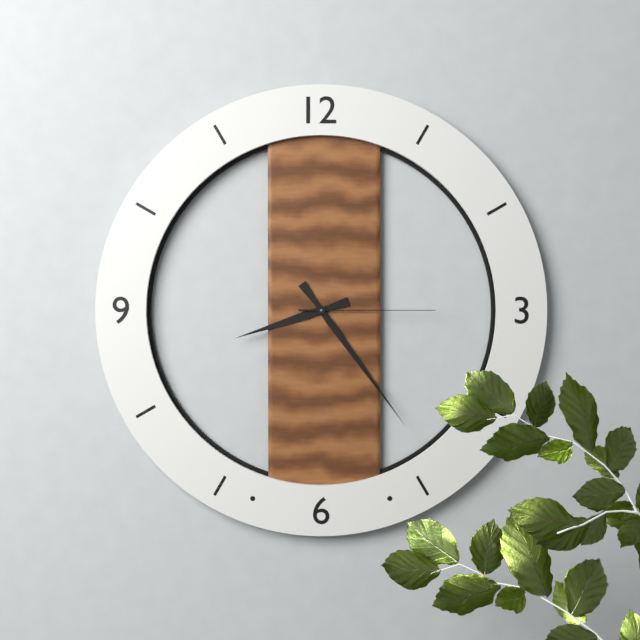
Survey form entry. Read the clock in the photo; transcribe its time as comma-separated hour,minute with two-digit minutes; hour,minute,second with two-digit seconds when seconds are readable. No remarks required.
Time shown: 8,24,15
